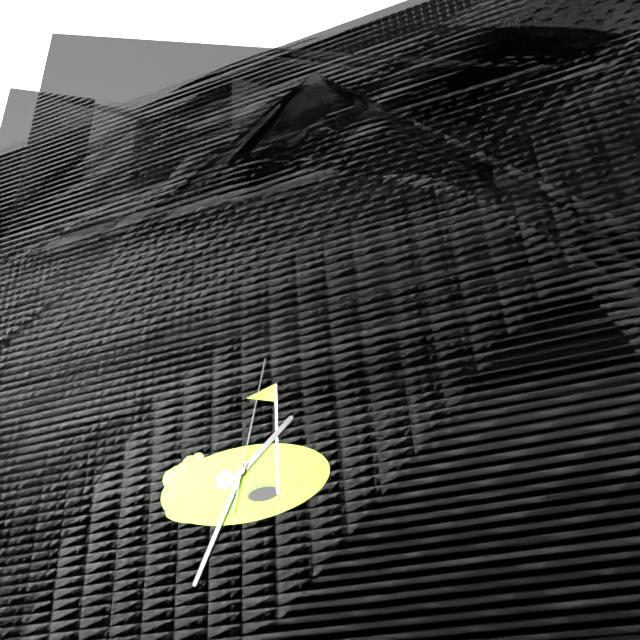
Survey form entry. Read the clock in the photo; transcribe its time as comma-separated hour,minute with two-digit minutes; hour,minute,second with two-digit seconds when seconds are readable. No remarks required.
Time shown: 1,34,02
